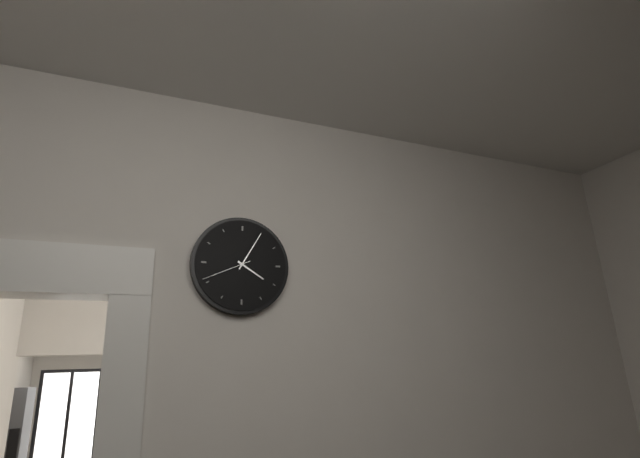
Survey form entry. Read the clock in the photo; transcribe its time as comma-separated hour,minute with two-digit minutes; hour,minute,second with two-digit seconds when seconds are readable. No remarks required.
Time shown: 4,05,41
